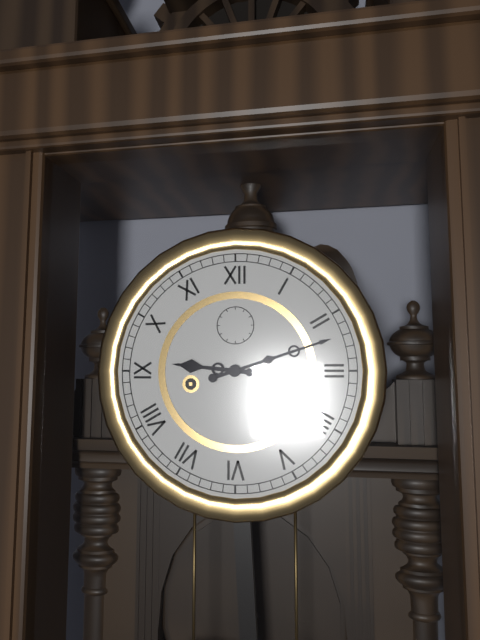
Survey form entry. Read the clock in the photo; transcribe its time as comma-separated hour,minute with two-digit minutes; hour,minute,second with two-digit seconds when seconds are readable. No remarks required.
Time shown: 9,12
